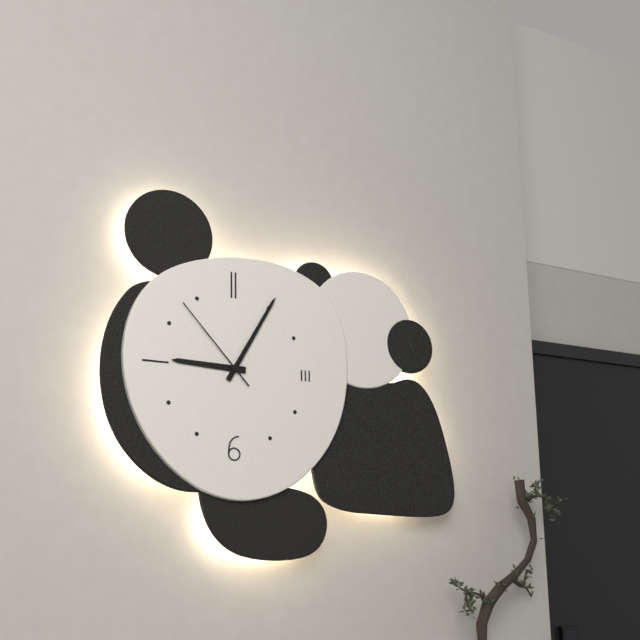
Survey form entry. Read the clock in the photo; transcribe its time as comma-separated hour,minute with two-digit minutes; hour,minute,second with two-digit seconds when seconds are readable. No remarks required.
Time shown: 9,05,53
